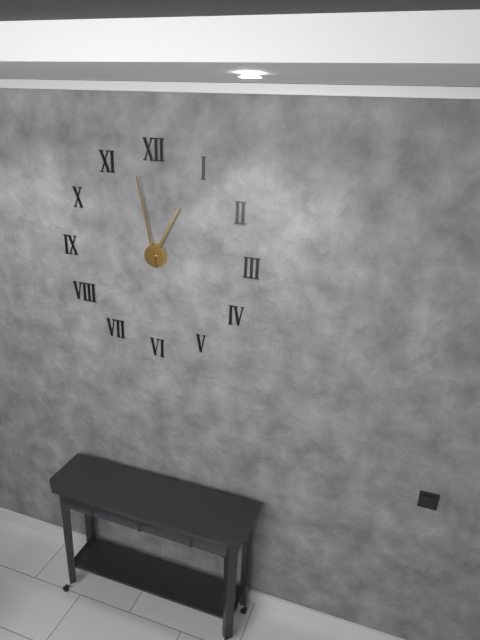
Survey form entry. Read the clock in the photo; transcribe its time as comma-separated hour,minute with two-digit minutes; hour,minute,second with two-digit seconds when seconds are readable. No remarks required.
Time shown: 12,58
